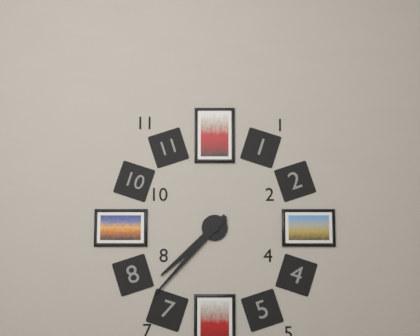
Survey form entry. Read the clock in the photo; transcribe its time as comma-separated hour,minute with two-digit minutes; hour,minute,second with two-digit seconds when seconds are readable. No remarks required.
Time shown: 7,37
